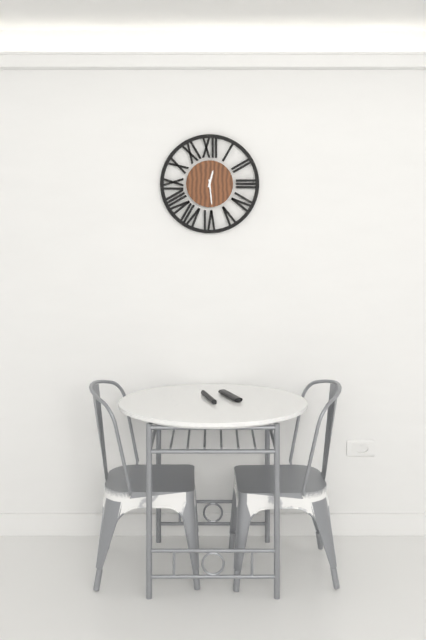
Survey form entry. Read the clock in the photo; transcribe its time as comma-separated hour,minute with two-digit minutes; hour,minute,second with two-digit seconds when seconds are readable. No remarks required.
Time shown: 12,29
